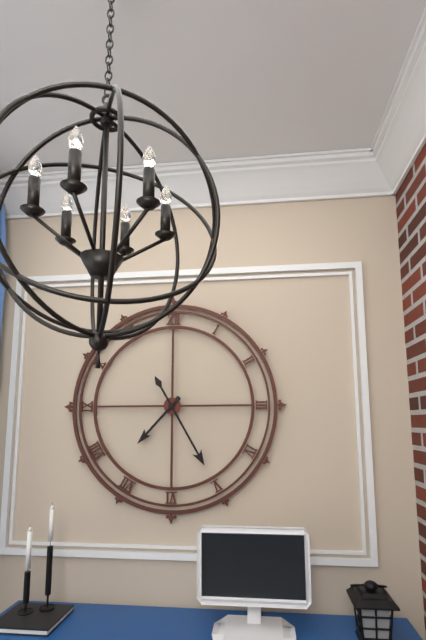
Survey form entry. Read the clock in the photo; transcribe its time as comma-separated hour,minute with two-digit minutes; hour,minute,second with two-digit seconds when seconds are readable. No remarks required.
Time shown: 7,25
